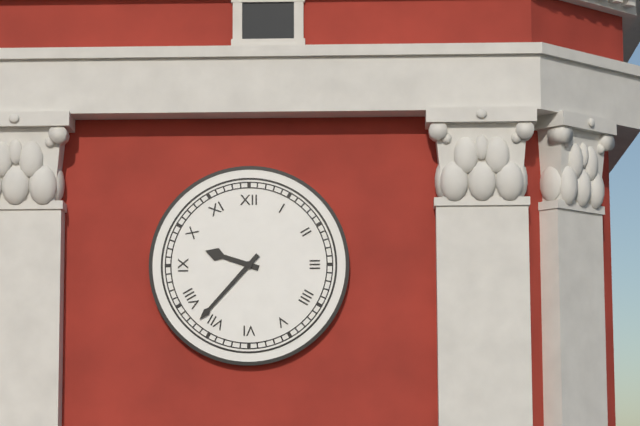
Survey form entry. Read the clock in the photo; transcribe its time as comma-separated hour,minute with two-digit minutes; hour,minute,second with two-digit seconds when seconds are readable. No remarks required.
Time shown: 9,37
